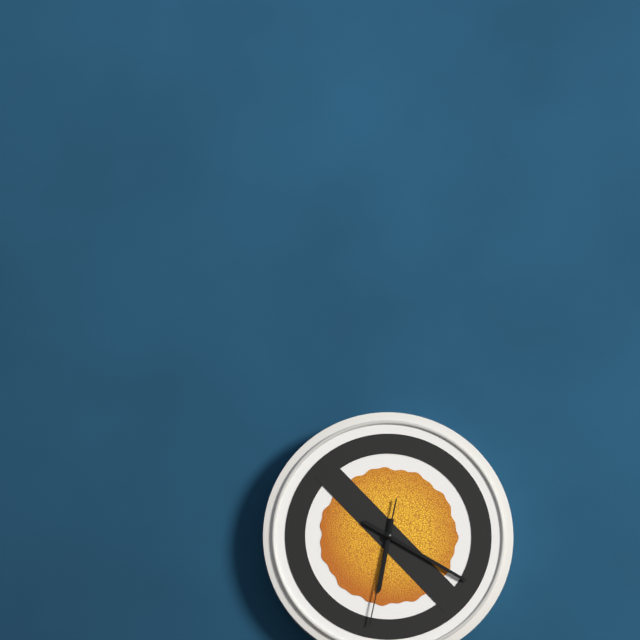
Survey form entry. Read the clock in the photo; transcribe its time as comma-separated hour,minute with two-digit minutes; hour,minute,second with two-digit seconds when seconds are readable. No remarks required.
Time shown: 6,20,32
